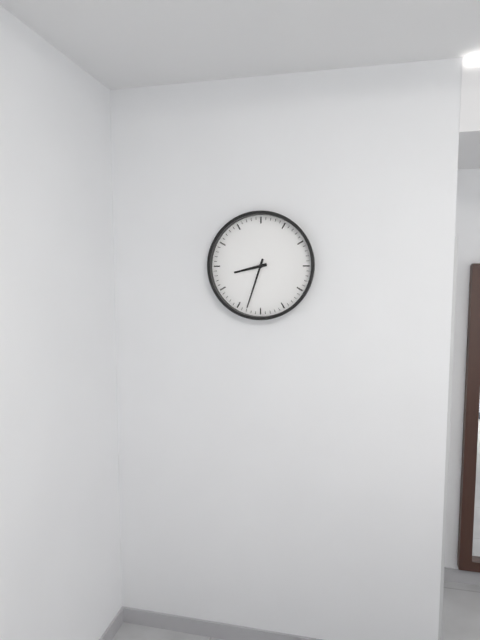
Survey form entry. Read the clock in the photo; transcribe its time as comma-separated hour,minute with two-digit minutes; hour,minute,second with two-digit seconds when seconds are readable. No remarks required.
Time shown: 8,33
